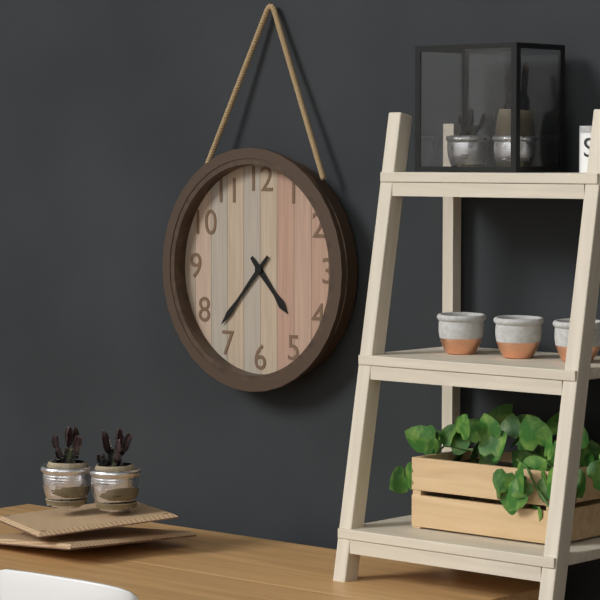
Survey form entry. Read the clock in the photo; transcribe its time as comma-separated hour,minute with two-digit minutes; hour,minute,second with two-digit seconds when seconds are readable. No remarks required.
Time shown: 4,37
